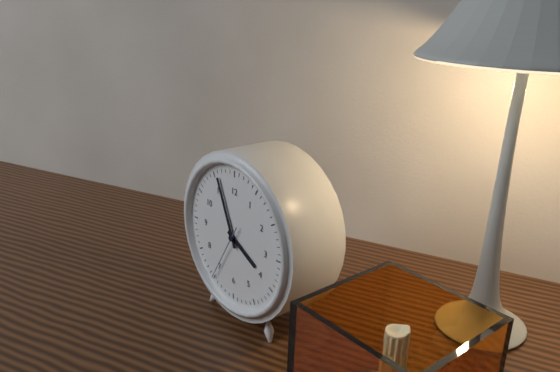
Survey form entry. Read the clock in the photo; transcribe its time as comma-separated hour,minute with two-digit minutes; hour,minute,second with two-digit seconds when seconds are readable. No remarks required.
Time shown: 3,56,35
